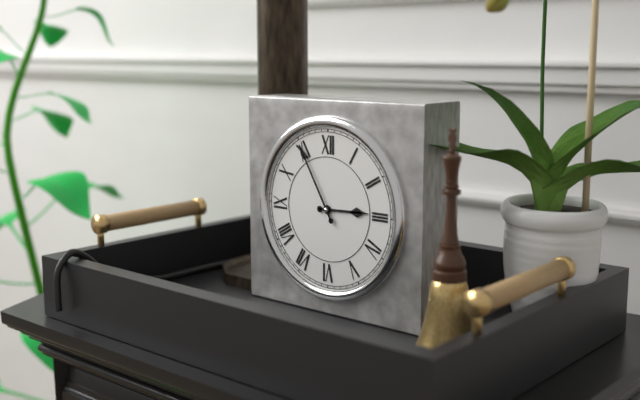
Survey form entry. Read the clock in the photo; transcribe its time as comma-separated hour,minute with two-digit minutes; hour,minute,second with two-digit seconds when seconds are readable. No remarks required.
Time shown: 2,55
